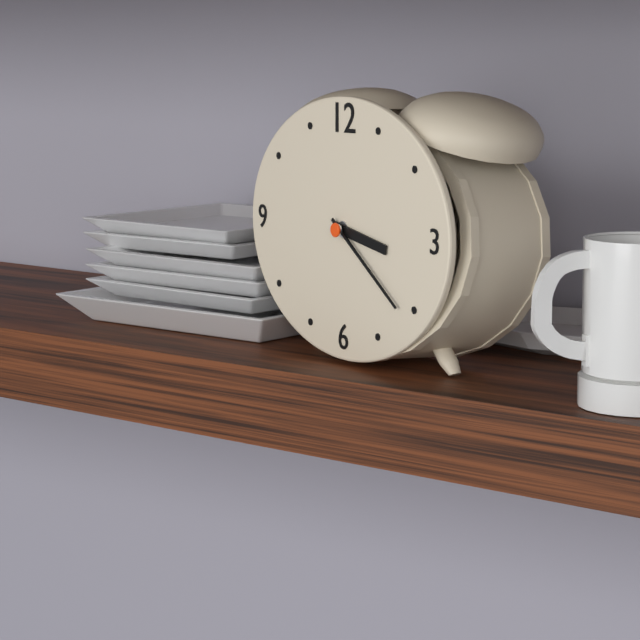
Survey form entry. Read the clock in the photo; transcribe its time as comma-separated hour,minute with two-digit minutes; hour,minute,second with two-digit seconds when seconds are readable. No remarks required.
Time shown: 3,21
